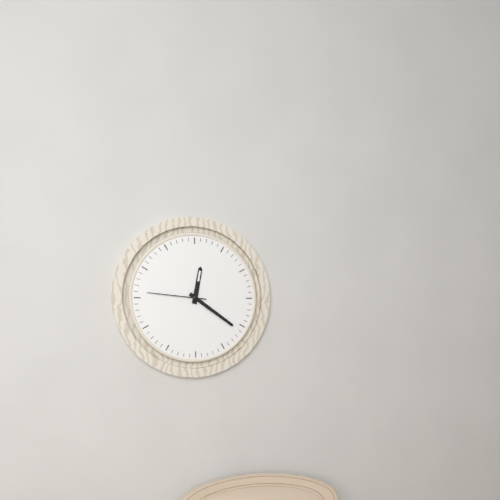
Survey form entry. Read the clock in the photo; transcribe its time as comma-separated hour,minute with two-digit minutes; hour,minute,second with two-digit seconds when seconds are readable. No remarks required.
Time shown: 12,21,46
